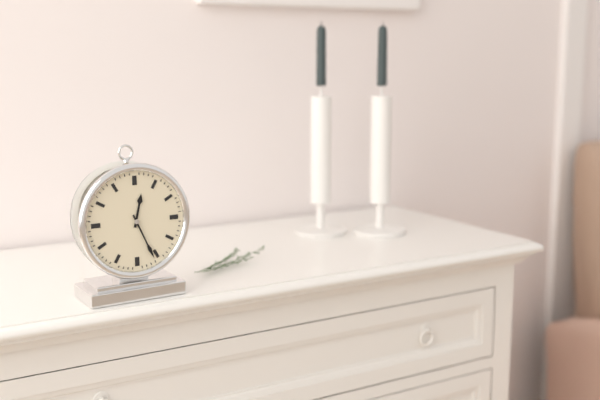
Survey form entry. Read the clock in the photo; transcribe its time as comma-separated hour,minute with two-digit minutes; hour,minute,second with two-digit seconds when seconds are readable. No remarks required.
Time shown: 12,26
